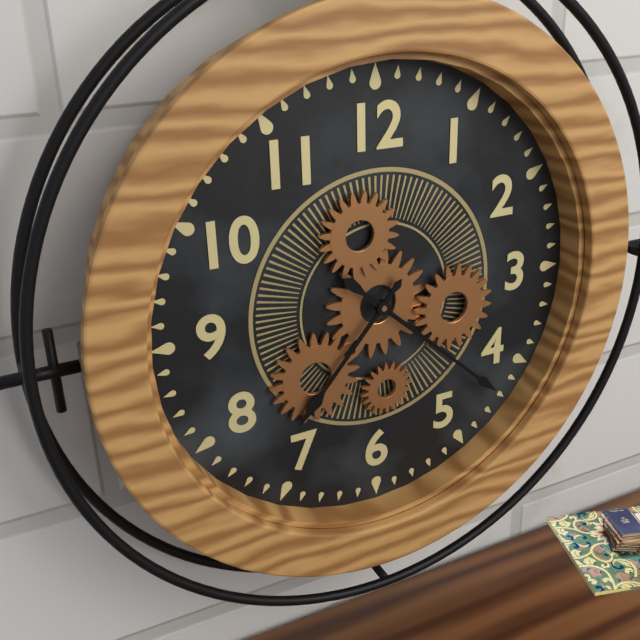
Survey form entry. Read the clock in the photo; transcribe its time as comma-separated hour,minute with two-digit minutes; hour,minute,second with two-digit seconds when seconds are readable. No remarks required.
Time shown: 7,22
